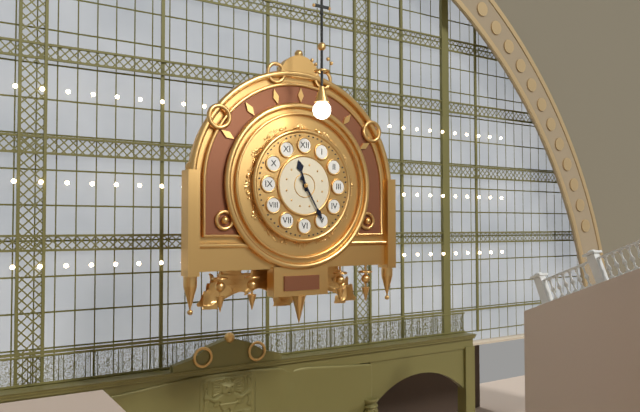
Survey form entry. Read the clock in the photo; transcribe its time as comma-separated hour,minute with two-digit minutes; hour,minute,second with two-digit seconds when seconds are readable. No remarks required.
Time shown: 11,25
